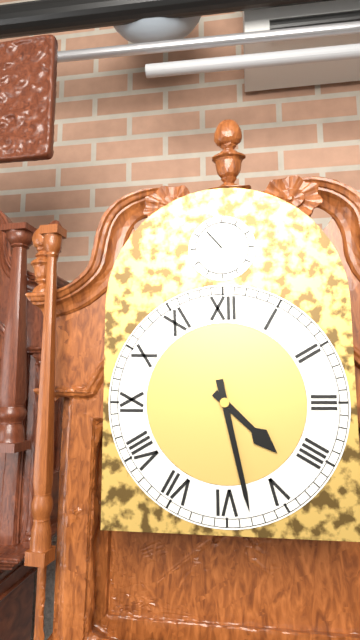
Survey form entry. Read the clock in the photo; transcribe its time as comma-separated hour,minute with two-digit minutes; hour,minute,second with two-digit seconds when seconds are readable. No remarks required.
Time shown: 4,28
